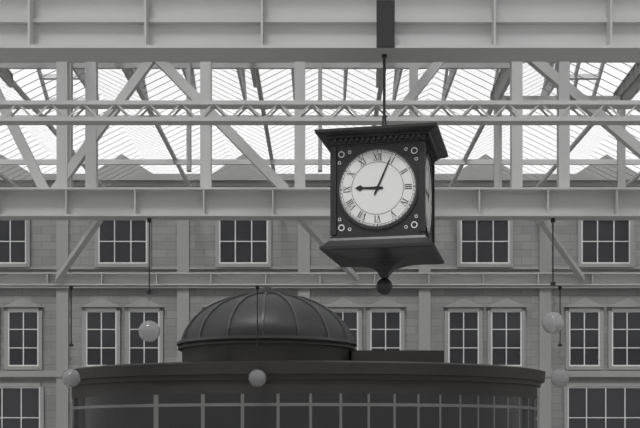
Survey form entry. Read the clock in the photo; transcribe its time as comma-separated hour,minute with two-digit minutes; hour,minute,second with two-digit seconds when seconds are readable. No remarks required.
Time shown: 9,04
